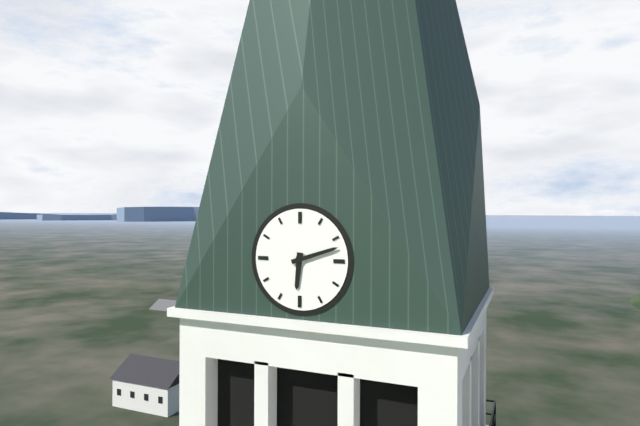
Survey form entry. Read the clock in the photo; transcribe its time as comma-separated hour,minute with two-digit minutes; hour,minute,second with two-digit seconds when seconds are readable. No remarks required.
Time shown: 6,12
